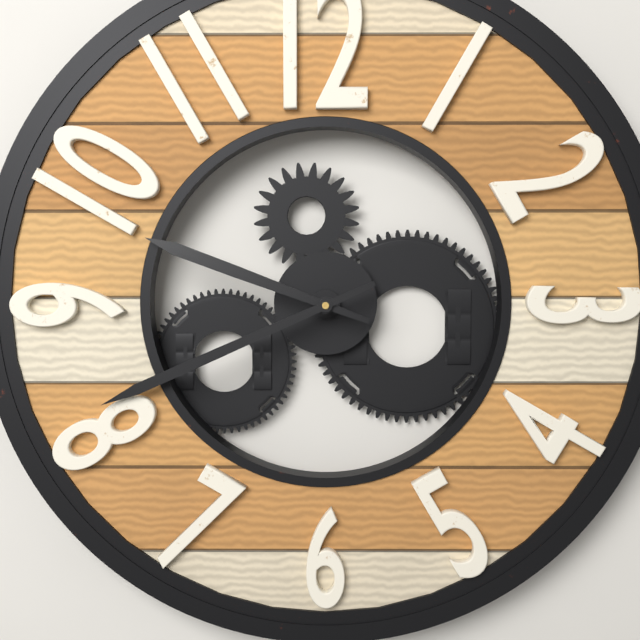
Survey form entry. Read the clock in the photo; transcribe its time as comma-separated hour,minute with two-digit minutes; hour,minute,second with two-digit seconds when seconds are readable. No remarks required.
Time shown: 9,41
